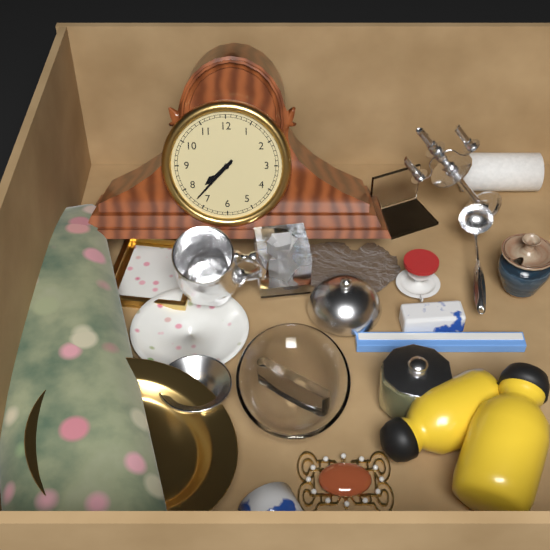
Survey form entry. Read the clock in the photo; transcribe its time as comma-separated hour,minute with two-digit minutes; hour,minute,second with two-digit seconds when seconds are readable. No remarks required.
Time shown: 7,37
